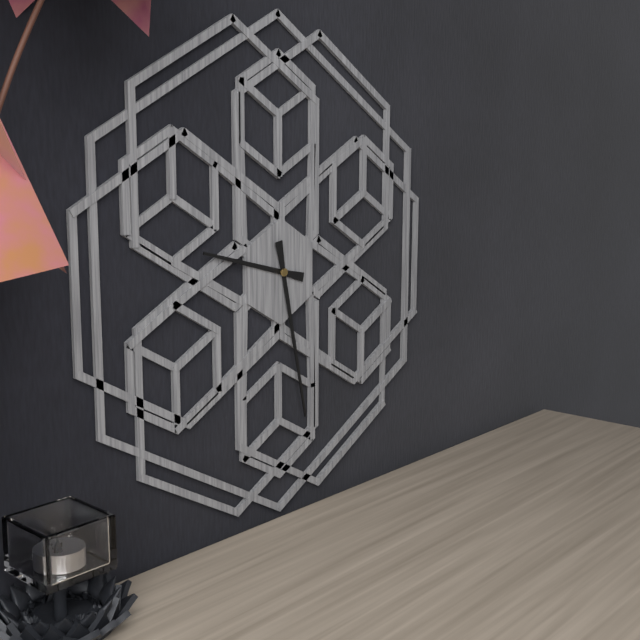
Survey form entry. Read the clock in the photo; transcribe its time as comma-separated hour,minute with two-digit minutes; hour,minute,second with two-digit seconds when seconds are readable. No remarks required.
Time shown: 9,28
